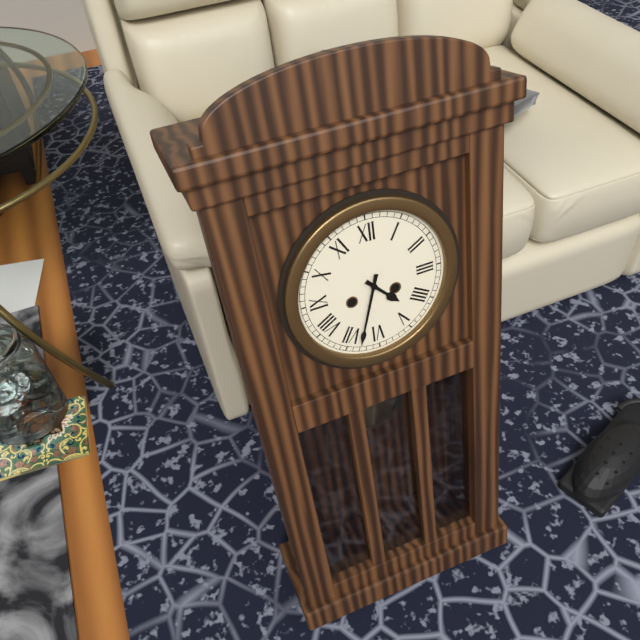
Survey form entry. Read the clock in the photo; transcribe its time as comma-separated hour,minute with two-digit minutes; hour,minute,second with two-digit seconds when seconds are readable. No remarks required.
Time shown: 4,33
